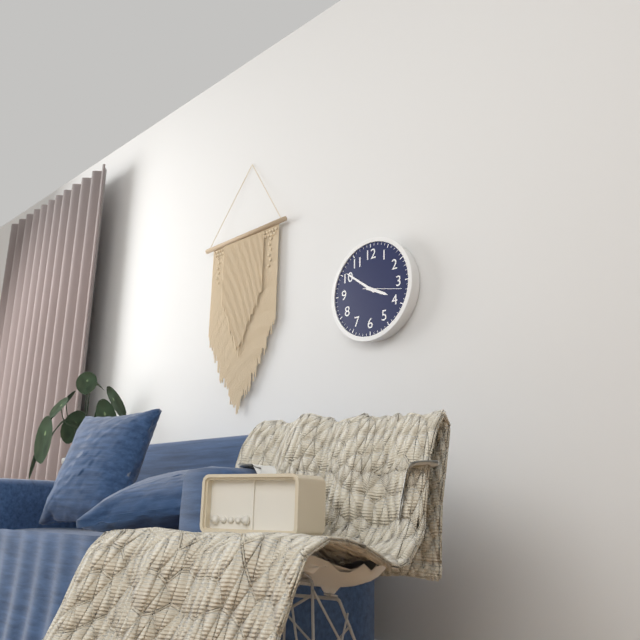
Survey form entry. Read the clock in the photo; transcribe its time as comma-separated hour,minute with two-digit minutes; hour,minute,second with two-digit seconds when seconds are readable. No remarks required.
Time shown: 3,51
